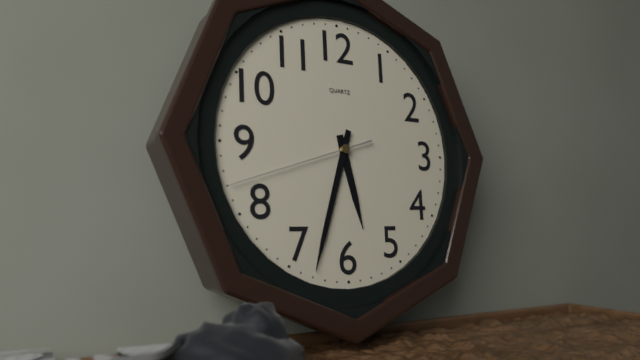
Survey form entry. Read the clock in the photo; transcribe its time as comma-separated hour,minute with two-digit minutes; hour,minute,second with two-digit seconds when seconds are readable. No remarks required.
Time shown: 5,33,42
